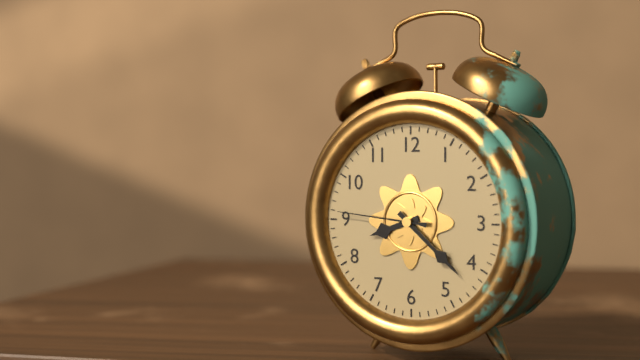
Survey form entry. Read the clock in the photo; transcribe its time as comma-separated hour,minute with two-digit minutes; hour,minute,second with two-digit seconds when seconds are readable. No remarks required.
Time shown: 8,22,46
